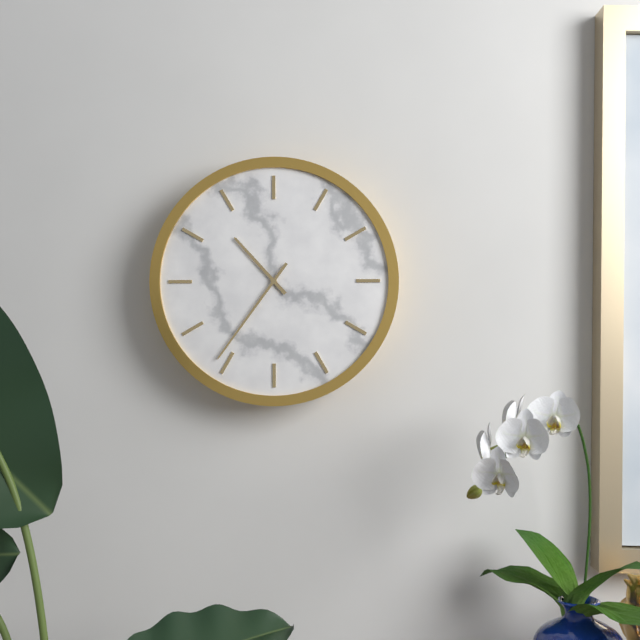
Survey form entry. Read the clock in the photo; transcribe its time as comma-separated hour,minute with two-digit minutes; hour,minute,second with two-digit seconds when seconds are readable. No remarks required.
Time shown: 10,36
